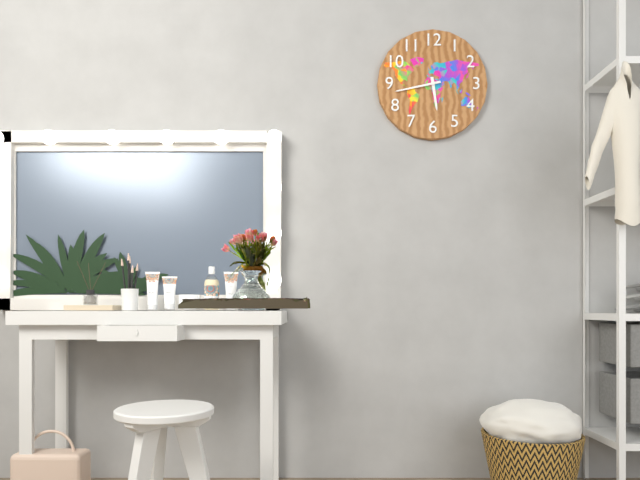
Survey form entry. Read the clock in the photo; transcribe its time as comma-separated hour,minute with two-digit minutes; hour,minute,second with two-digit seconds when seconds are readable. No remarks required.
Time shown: 5,43
